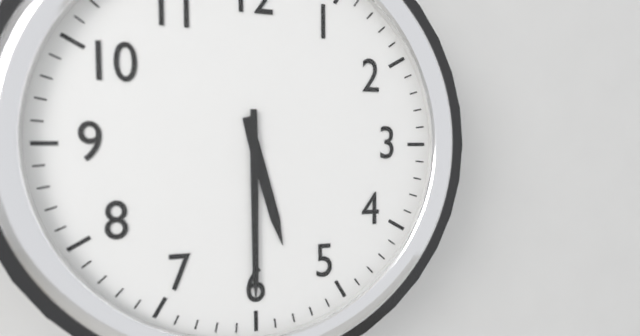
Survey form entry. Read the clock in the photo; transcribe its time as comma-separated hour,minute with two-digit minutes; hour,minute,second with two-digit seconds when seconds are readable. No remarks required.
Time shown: 5,30
